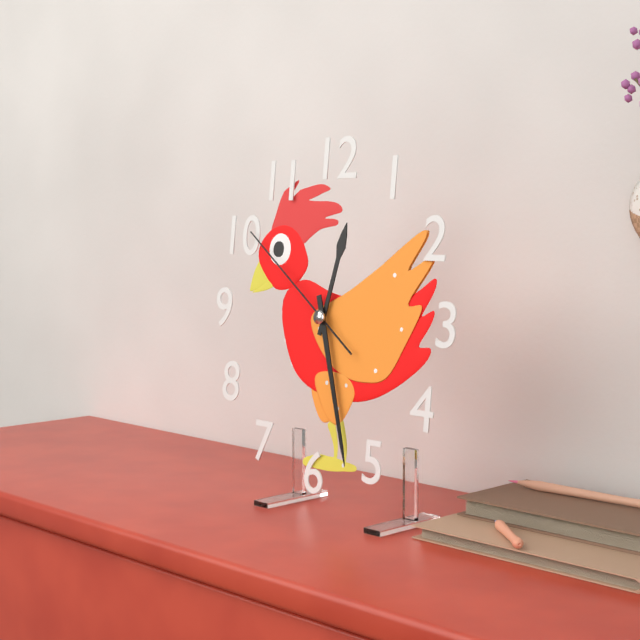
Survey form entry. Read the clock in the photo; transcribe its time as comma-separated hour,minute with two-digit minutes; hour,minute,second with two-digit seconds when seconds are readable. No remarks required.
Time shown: 12,27,51
